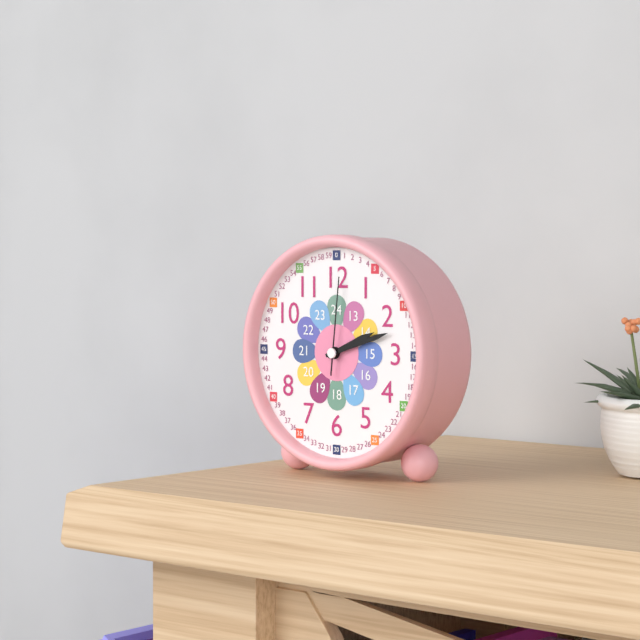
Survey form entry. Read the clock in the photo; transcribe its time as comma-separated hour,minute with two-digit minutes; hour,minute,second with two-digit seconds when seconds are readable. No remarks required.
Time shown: 2,12,01
